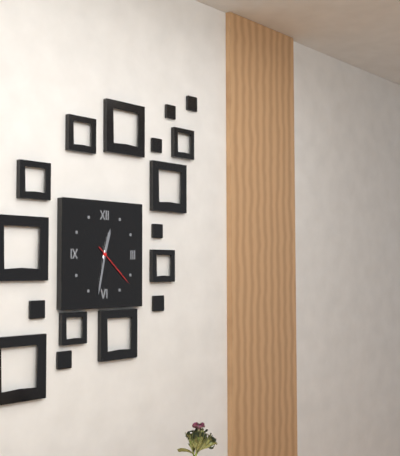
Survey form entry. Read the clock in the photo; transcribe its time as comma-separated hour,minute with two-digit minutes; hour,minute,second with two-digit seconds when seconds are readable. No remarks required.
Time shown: 12,32
